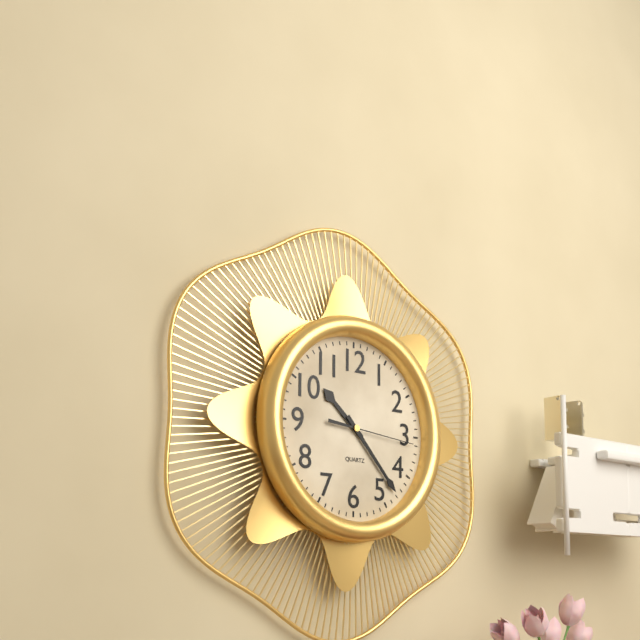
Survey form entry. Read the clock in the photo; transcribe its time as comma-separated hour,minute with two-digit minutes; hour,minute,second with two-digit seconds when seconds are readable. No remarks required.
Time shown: 10,23,16
